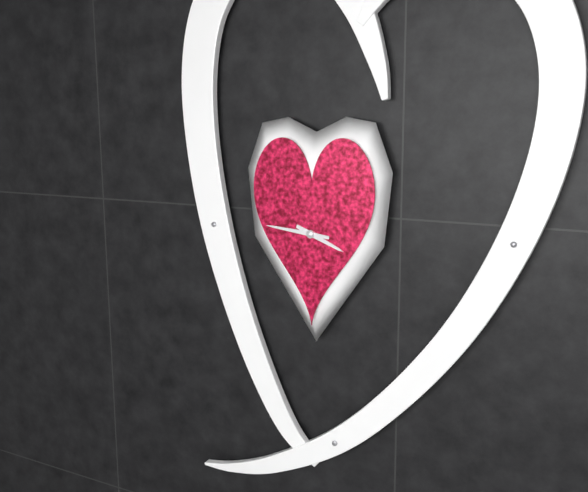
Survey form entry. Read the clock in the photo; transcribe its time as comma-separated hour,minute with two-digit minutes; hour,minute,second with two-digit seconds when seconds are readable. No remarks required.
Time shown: 3,46
